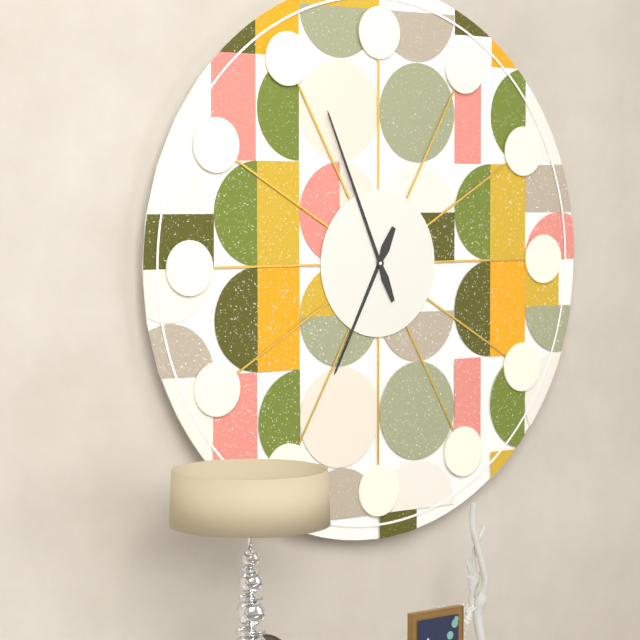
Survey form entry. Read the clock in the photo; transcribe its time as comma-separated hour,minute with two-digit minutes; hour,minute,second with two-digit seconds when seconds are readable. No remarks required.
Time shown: 6,56
